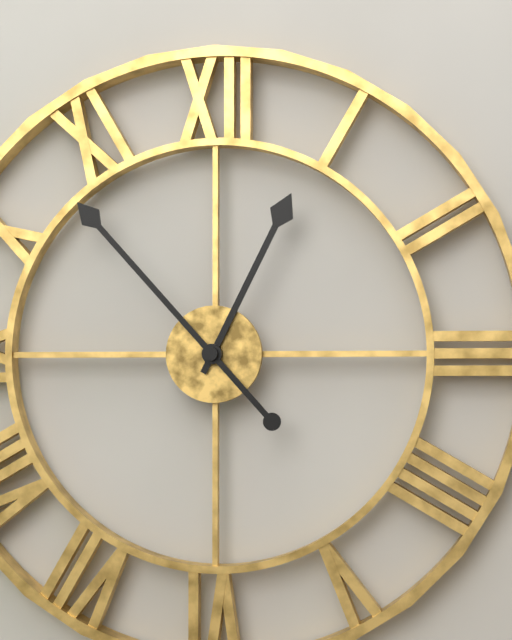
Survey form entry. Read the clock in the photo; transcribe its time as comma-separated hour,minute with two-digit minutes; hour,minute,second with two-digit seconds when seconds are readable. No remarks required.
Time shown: 12,53
